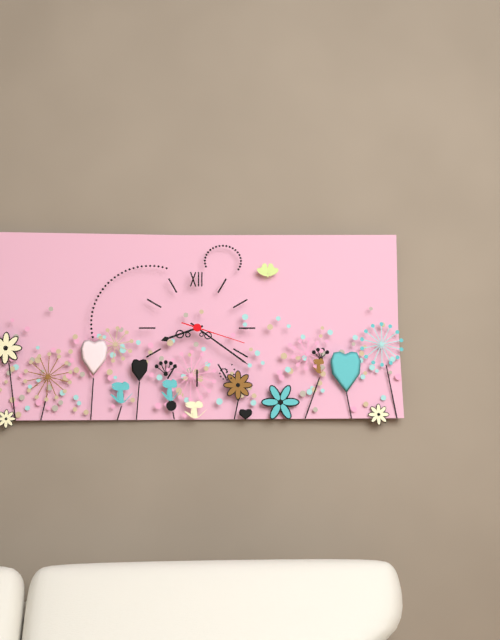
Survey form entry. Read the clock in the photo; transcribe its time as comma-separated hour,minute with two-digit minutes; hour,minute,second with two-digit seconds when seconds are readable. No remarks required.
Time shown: 8,21,18
